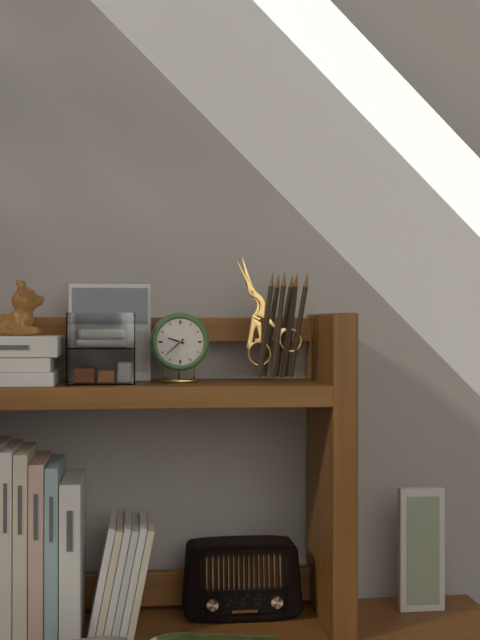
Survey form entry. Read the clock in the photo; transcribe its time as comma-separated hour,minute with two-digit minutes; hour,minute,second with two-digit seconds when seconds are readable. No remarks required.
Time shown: 9,38
